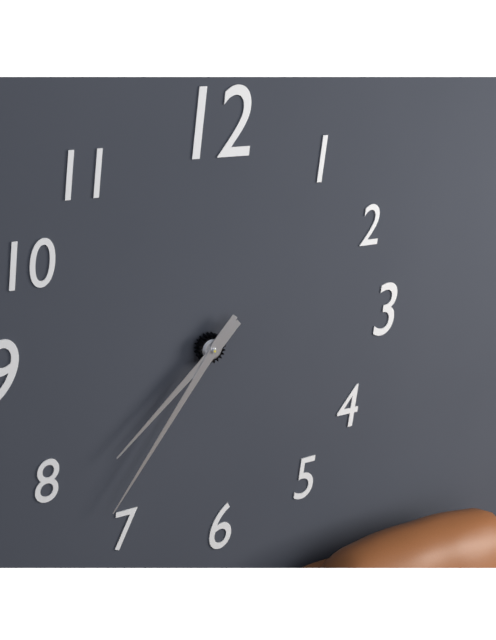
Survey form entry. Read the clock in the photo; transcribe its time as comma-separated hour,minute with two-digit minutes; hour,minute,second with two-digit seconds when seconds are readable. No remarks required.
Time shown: 7,36
